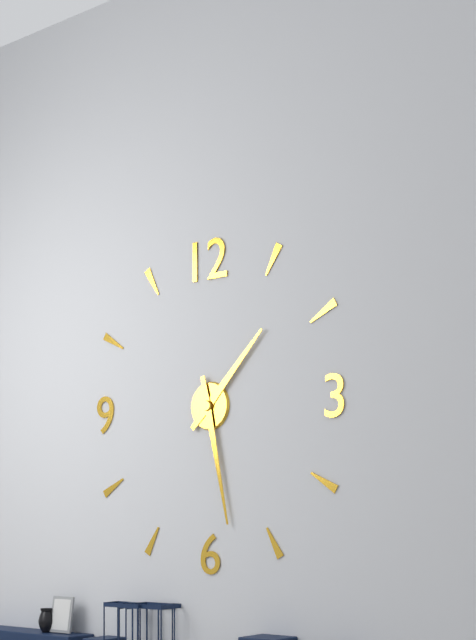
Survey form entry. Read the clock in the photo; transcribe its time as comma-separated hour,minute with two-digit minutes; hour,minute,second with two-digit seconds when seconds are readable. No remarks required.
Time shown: 1,28
